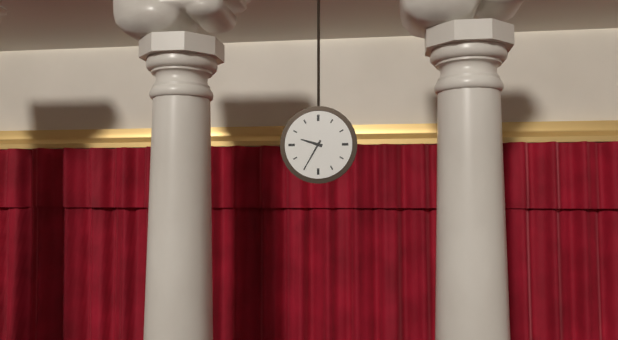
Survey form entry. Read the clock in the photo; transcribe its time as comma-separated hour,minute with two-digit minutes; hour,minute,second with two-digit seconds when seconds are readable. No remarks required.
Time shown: 9,35
